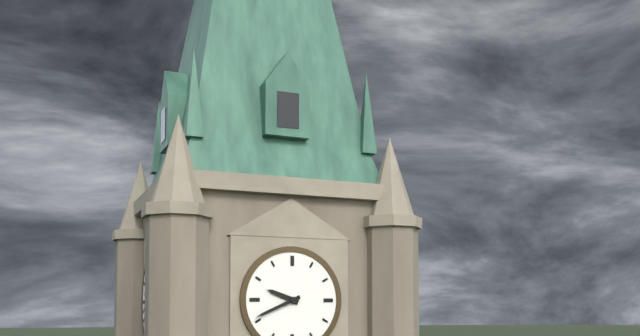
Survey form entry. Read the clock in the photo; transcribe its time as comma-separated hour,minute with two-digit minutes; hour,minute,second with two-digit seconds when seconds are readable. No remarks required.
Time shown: 9,41
